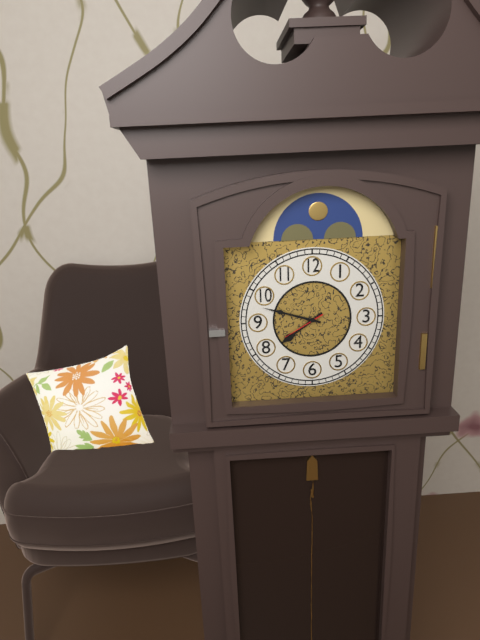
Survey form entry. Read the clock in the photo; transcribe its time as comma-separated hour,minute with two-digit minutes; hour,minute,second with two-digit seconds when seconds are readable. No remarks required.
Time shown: 7,48
